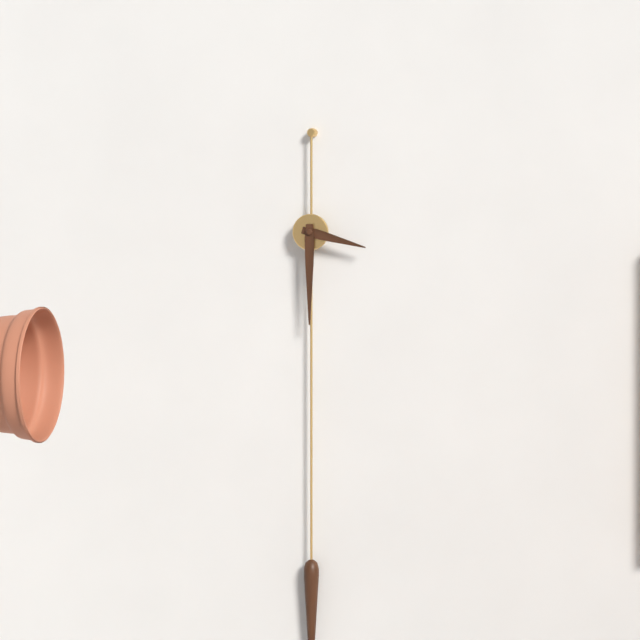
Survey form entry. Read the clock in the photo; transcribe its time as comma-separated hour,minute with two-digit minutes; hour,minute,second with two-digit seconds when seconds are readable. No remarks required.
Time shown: 3,30
